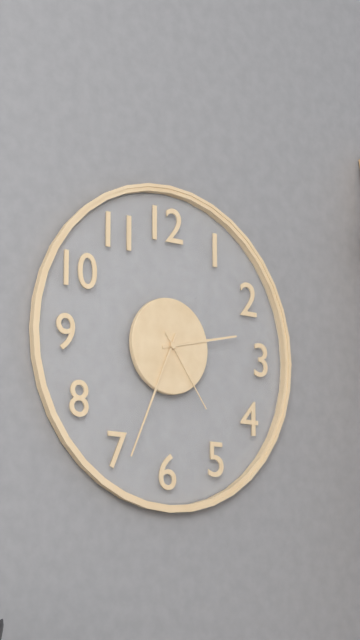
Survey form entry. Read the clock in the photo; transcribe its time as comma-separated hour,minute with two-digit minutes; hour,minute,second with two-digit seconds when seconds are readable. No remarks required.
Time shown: 2,34,24
